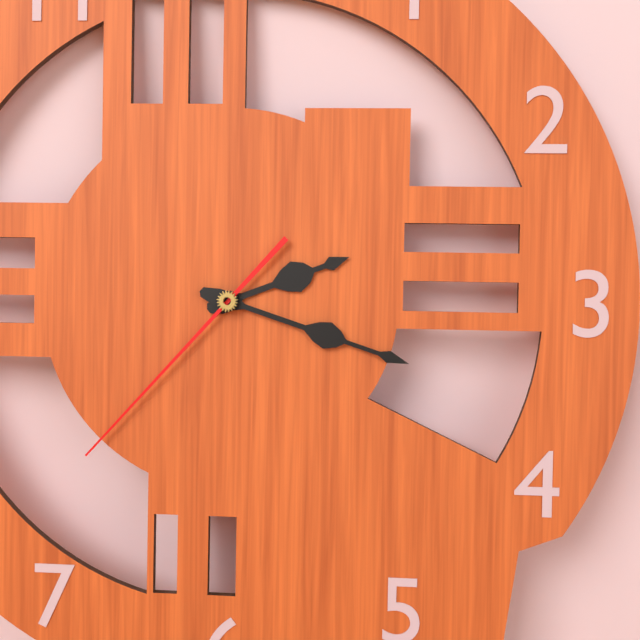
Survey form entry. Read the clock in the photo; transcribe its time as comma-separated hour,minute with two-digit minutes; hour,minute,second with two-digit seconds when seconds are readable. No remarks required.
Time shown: 2,18,37
